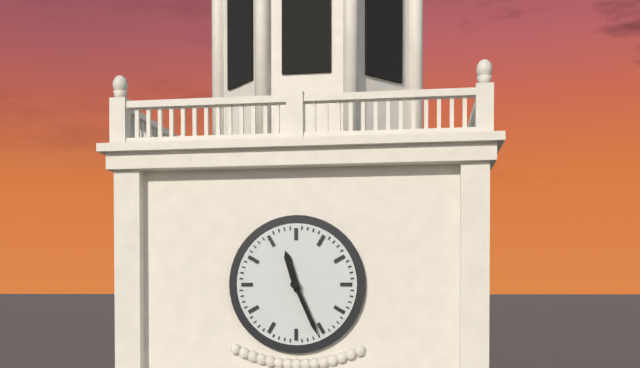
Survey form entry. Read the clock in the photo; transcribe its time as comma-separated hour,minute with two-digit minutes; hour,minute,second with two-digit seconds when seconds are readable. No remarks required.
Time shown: 11,26
